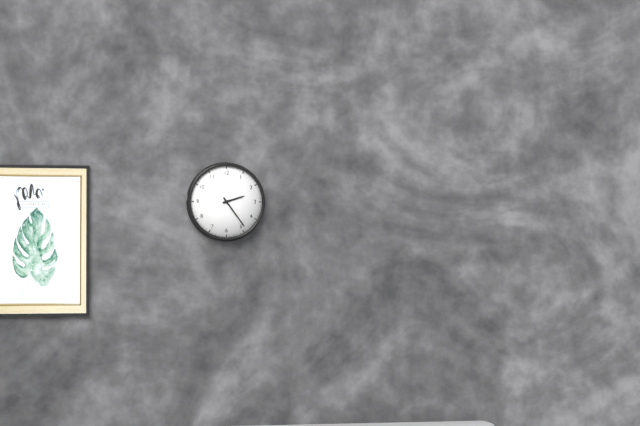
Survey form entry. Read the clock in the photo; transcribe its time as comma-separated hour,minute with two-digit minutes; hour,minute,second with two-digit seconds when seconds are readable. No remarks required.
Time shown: 2,24
